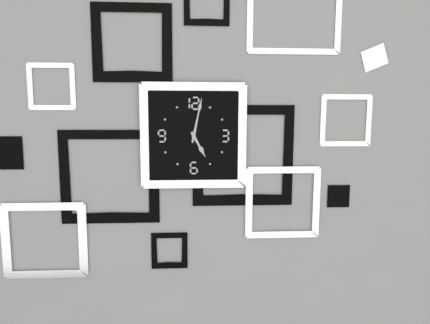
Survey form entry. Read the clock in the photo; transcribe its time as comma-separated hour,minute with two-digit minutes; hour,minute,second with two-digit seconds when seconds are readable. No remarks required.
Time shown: 5,02
